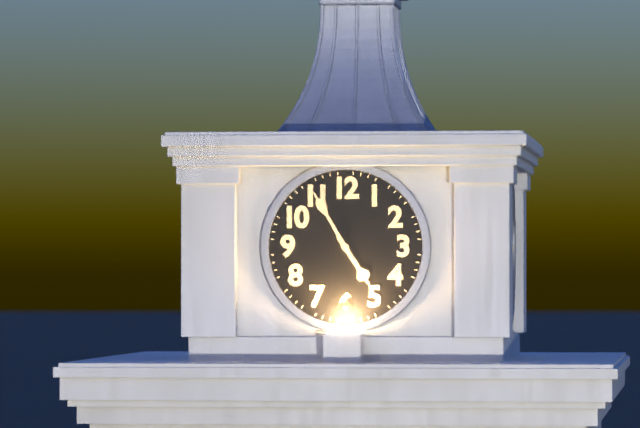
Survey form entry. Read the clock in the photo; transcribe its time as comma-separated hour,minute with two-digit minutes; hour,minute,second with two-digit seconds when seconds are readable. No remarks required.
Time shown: 4,55
